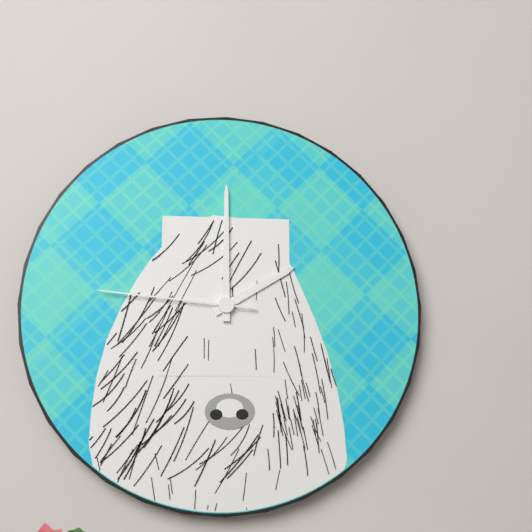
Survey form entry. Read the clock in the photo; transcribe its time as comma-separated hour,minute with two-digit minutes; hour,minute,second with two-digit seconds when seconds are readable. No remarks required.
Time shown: 2,00,46
